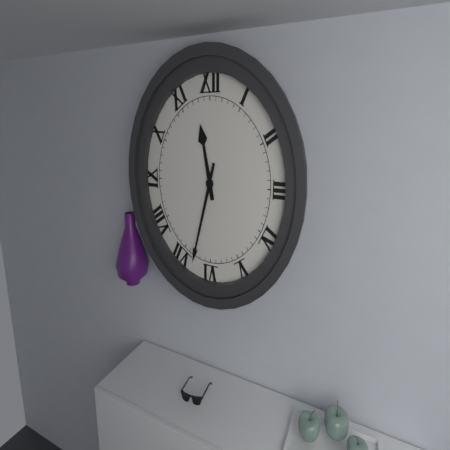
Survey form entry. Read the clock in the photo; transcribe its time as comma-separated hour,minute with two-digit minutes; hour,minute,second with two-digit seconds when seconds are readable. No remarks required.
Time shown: 11,33
